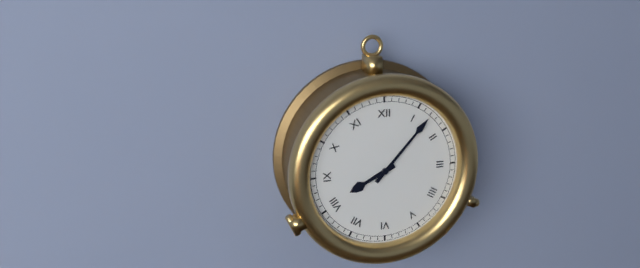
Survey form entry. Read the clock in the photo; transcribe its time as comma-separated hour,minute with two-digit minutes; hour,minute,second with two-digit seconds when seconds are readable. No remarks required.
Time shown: 8,07
